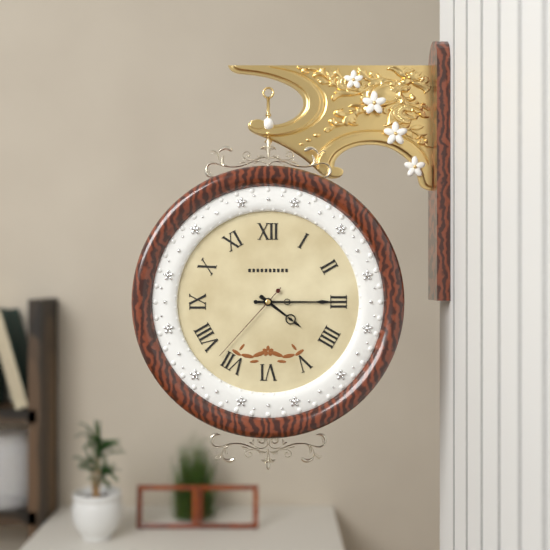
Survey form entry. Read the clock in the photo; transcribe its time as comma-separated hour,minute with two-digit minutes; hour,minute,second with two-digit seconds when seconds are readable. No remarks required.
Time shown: 4,15,37
